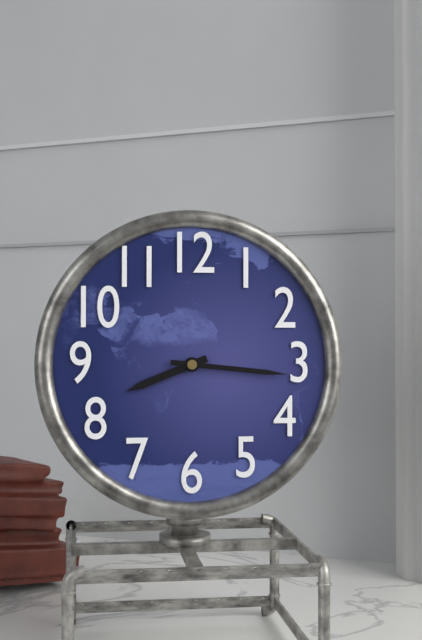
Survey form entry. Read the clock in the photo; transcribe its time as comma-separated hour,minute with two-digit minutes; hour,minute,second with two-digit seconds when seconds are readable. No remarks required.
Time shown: 8,16
